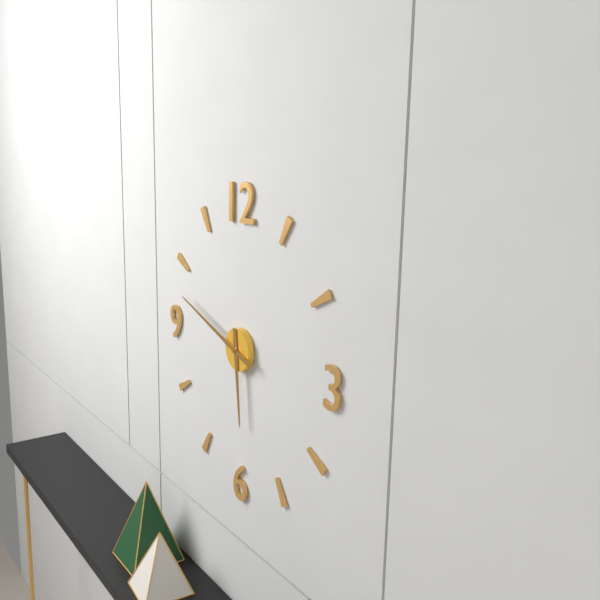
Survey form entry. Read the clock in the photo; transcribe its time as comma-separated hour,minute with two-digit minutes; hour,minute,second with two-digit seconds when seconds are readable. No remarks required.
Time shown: 5,48
